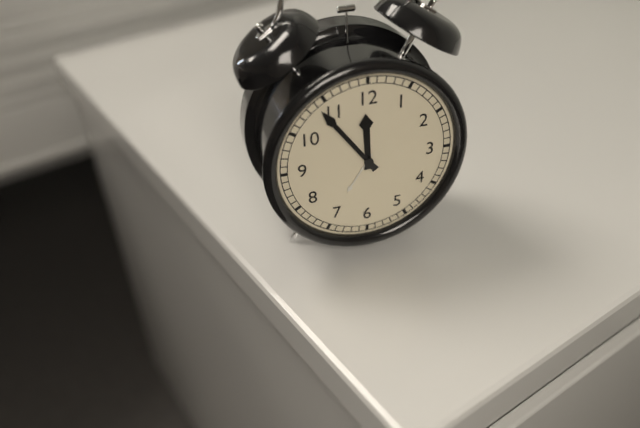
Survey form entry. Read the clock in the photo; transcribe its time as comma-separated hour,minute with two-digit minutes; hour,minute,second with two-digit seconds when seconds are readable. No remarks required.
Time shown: 11,54
